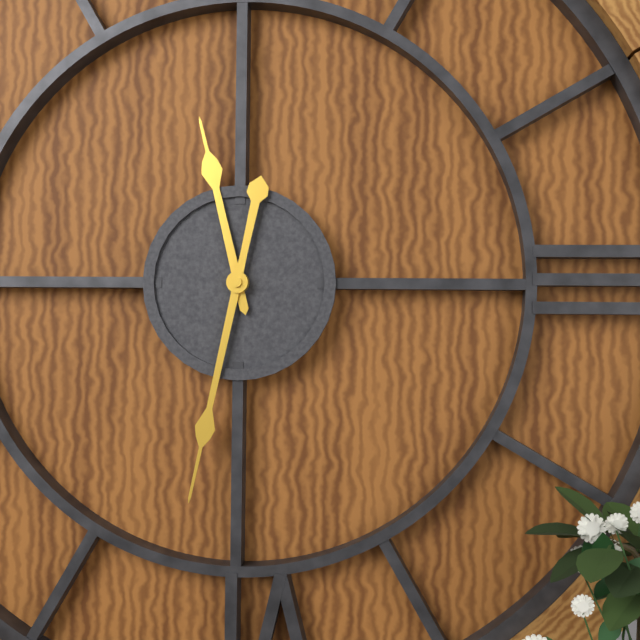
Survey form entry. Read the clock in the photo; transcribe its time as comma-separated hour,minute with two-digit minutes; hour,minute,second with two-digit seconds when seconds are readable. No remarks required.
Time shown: 11,32
